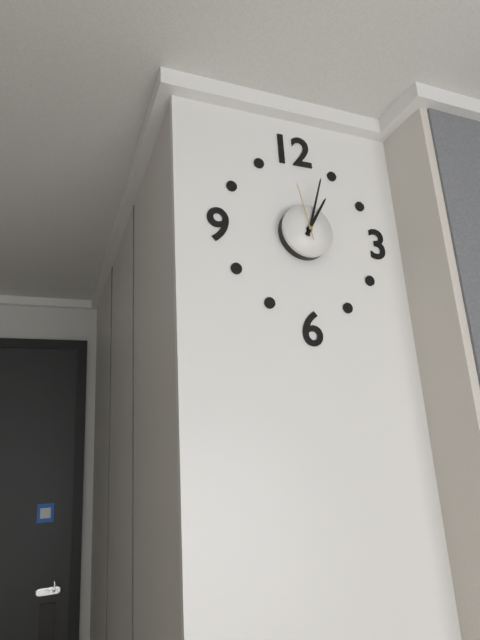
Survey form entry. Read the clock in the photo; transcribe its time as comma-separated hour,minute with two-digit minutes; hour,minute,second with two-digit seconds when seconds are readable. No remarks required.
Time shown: 1,03,58
